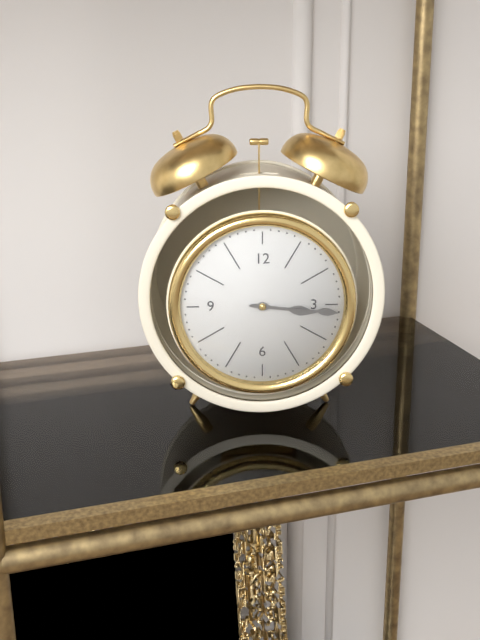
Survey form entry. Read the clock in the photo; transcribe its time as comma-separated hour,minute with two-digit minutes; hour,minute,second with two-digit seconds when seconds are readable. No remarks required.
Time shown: 3,16
